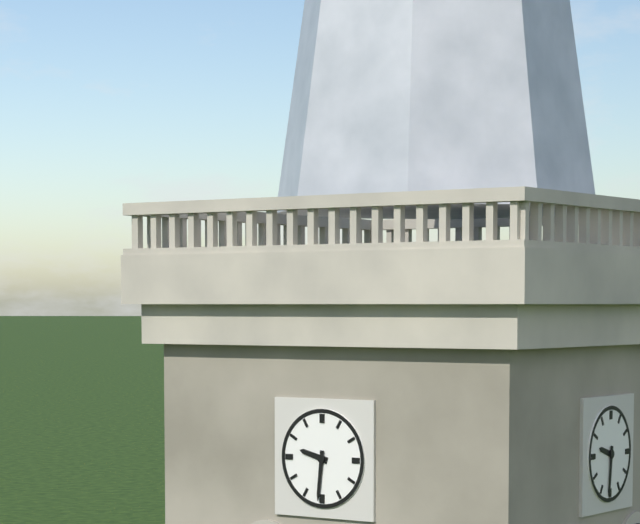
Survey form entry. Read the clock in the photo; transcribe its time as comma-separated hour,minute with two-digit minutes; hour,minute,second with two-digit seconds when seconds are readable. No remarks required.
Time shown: 9,31
